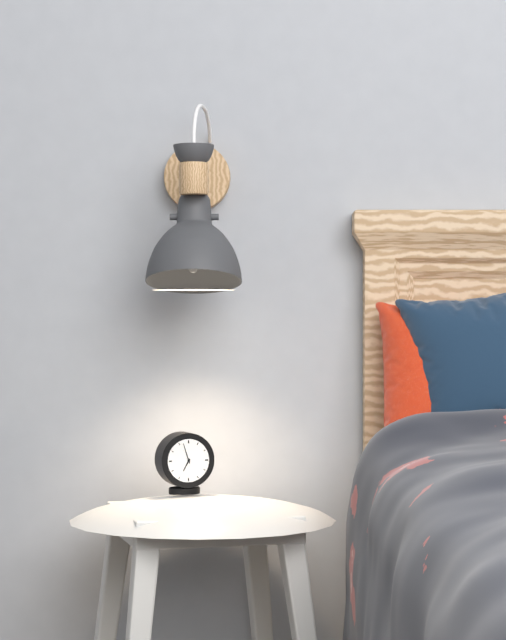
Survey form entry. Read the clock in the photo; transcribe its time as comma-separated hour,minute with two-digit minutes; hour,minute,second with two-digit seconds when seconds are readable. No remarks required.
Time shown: 6,57
